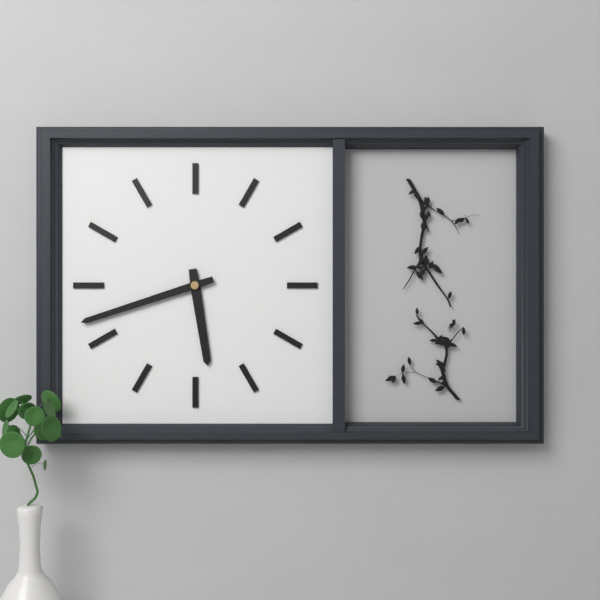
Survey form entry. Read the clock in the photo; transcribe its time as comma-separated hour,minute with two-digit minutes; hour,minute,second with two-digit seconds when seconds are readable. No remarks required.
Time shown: 5,42
